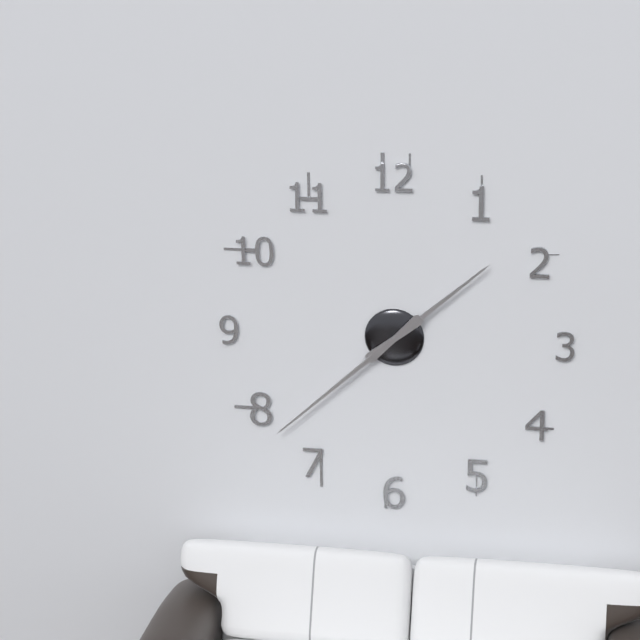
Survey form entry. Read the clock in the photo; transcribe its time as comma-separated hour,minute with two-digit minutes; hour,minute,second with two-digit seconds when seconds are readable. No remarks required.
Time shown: 1,38
